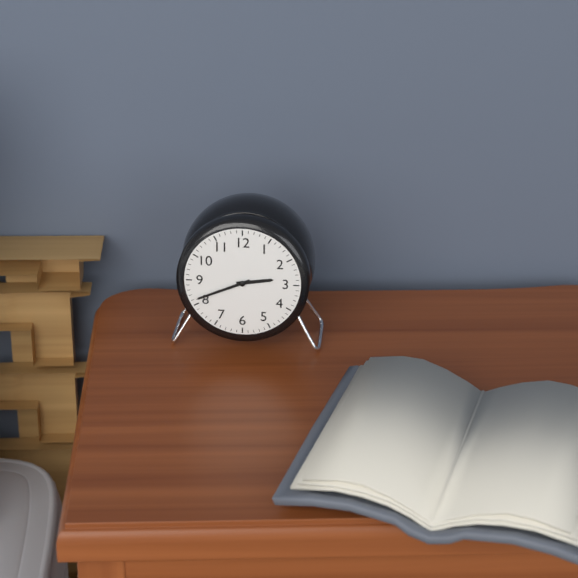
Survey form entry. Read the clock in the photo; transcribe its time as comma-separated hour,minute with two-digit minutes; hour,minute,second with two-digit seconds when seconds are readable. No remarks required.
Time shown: 2,41
